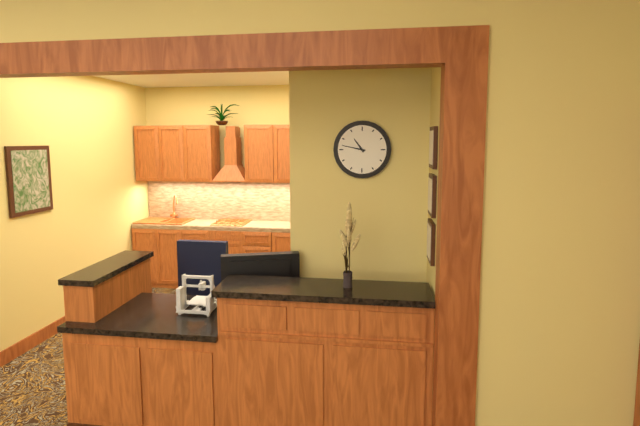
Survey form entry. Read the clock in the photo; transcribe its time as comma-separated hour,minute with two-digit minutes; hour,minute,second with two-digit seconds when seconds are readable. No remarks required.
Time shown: 10,47
